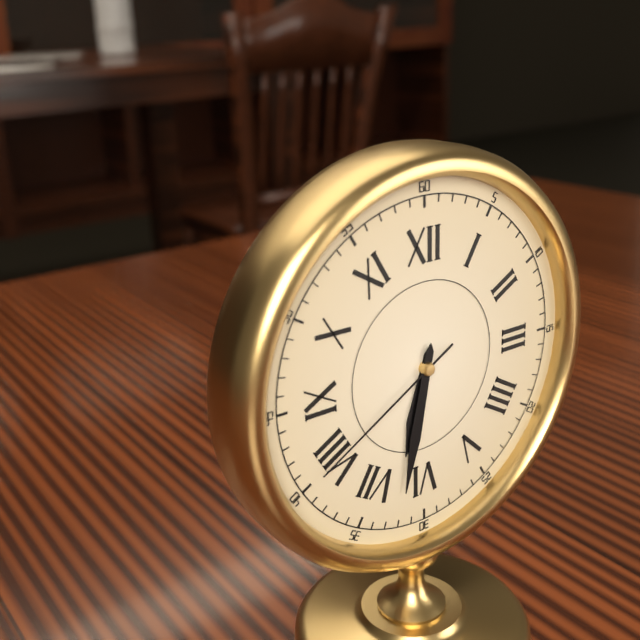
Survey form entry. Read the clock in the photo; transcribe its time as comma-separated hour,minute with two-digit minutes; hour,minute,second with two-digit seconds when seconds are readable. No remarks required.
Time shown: 6,32,40
